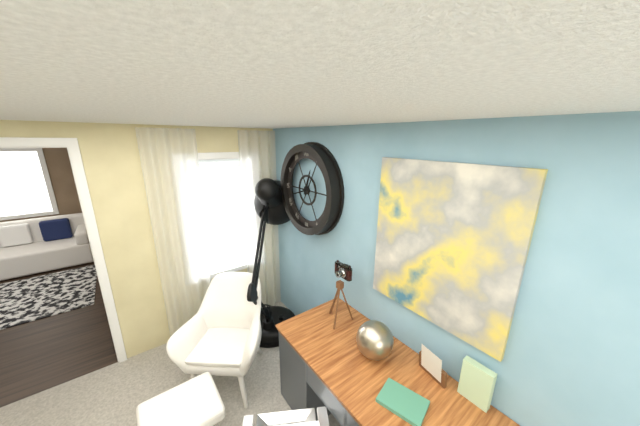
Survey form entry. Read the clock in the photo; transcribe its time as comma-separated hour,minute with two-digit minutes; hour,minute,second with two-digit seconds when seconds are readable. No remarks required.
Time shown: 12,42
